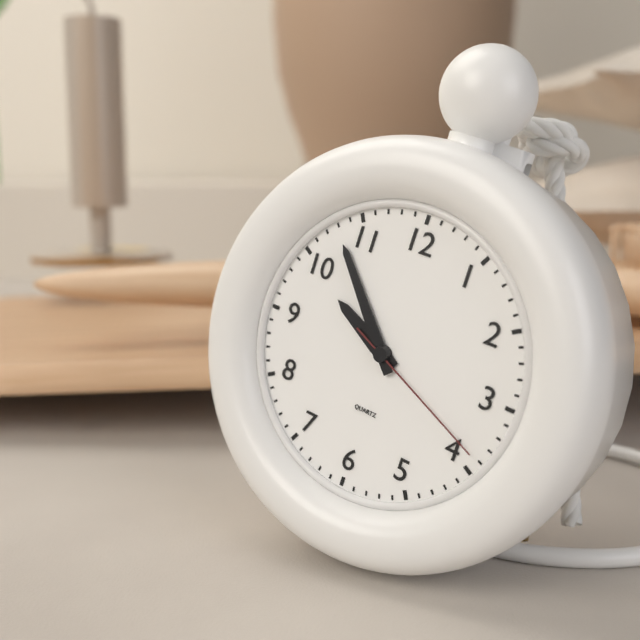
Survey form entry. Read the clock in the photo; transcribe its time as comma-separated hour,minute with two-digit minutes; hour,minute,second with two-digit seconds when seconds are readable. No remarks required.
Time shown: 9,53,19
